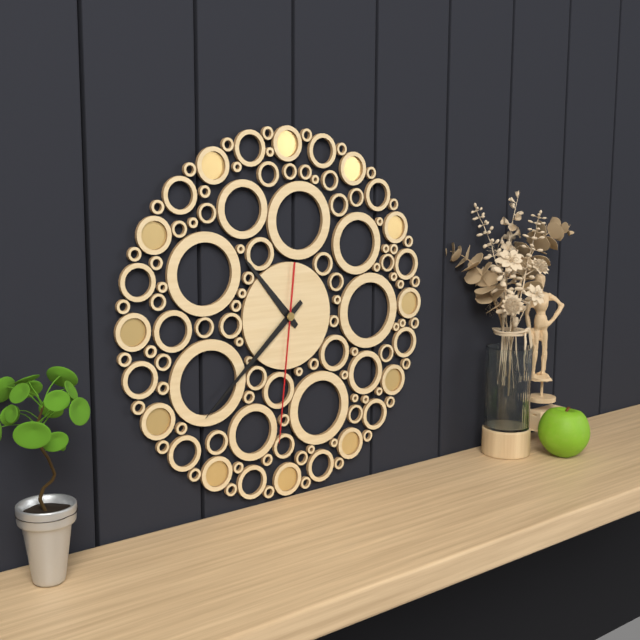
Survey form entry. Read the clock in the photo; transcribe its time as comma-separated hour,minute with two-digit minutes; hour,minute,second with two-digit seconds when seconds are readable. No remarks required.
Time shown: 10,38,31
